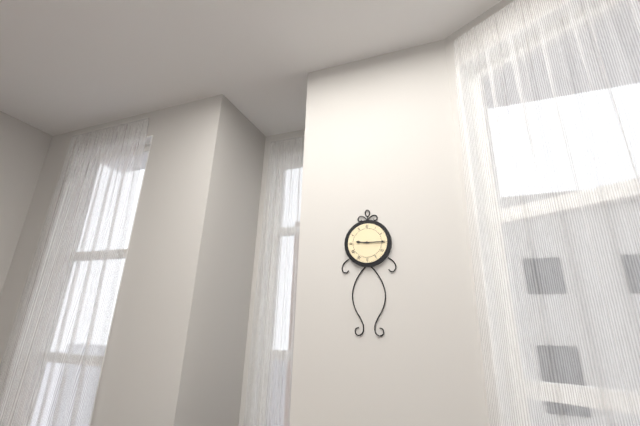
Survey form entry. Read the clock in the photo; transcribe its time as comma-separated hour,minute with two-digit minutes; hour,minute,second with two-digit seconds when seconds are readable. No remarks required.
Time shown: 9,15
